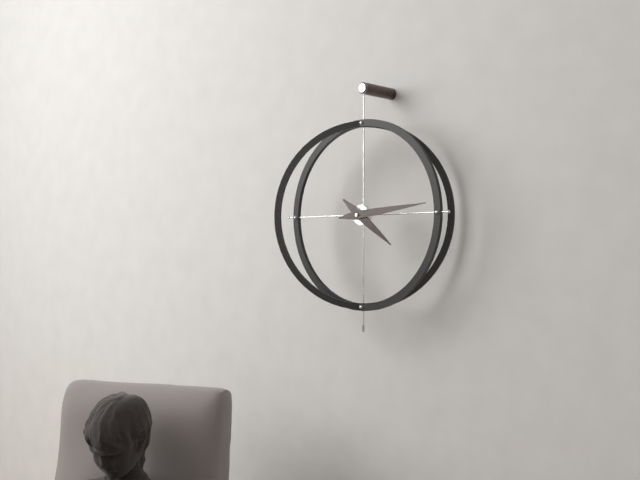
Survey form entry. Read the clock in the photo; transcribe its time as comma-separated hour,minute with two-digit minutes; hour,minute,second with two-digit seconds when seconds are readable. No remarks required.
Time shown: 4,14
